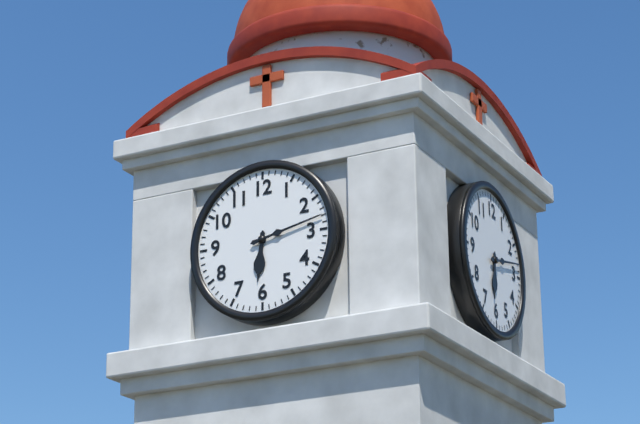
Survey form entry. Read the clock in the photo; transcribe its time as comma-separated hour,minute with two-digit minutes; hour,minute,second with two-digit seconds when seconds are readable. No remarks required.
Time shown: 6,13
